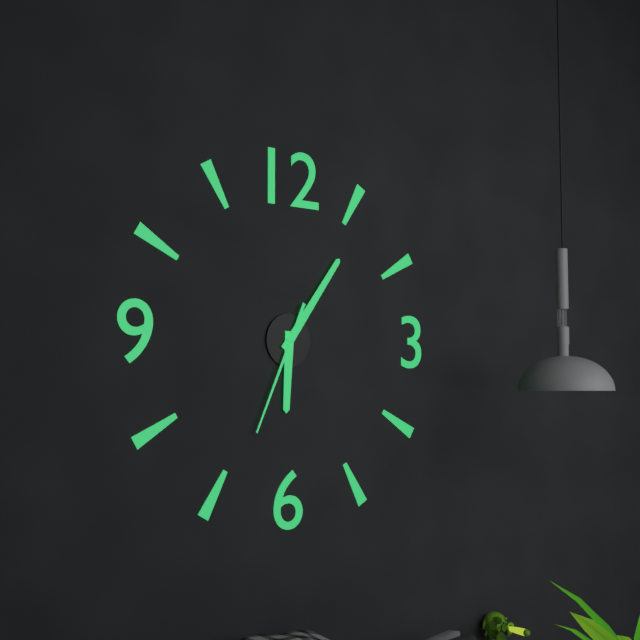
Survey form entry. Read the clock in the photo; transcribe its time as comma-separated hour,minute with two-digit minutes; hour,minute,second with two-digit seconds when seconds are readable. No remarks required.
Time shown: 6,06,34
